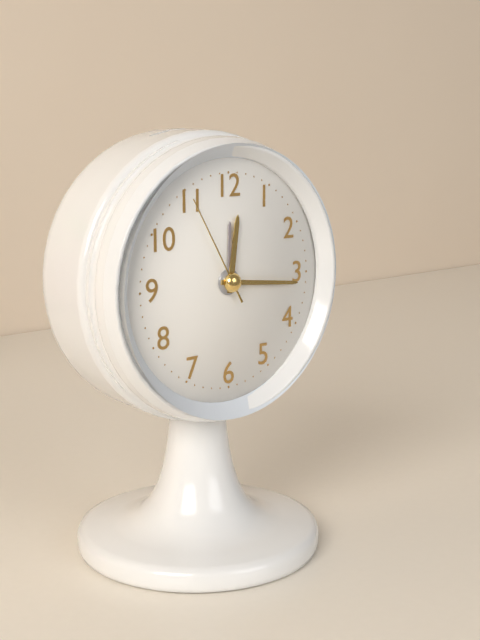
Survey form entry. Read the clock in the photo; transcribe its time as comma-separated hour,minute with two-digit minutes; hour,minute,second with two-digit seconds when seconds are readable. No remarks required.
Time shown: 12,16,55
